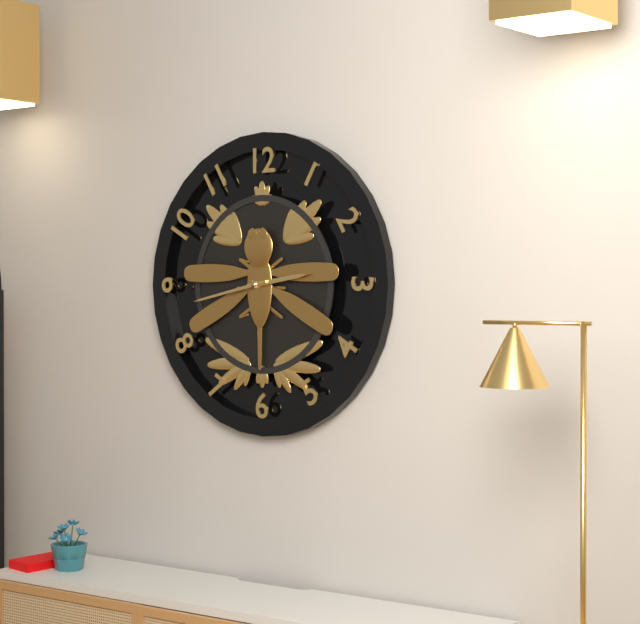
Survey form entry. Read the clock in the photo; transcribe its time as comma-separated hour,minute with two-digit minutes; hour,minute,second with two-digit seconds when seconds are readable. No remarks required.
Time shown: 2,43
